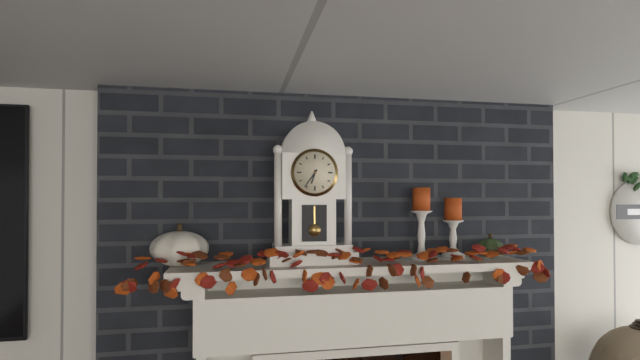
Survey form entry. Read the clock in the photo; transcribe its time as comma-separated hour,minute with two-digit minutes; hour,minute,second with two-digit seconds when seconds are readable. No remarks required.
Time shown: 6,36
